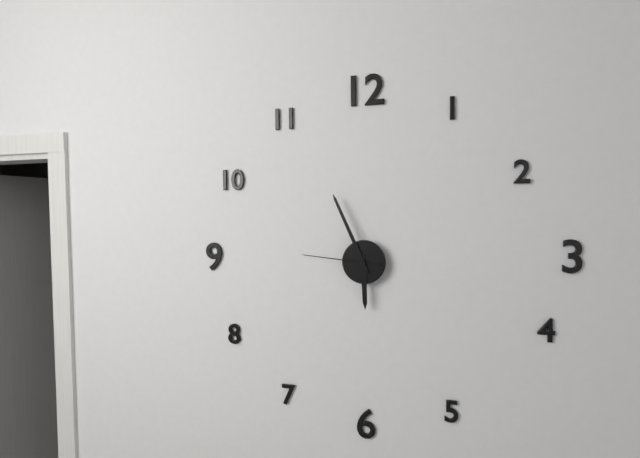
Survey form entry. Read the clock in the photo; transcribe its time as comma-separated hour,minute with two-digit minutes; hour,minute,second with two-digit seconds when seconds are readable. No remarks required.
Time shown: 5,56,46
